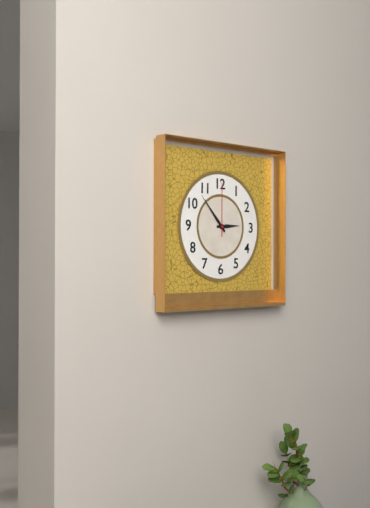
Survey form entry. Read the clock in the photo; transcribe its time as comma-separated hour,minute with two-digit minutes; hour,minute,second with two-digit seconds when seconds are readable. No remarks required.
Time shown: 2,53,00
